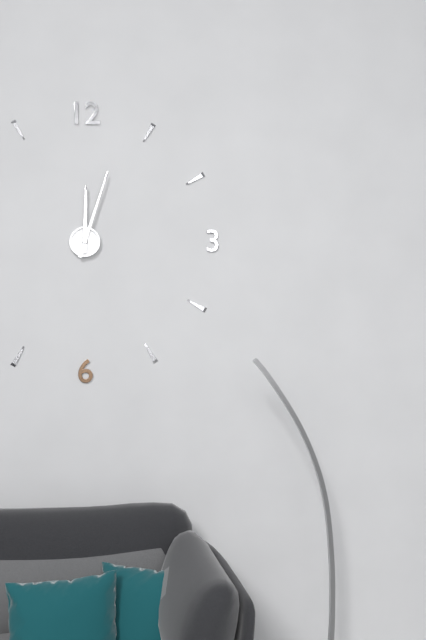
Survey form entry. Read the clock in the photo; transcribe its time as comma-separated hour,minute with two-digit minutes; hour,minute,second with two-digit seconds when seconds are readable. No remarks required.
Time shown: 12,03
